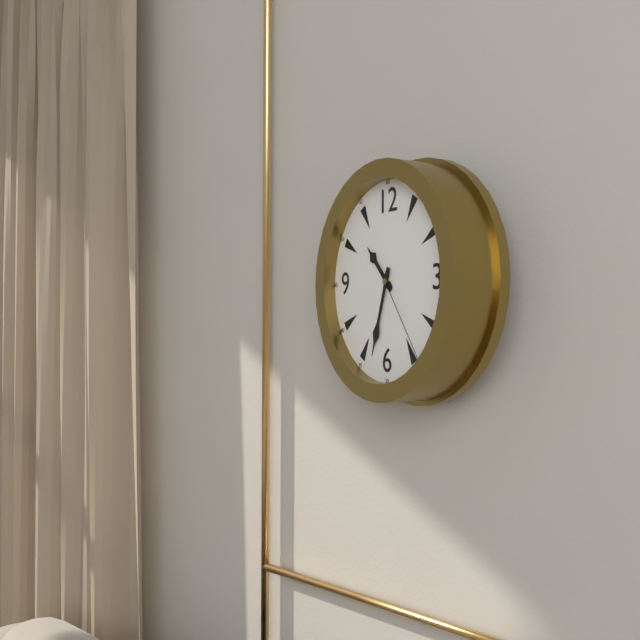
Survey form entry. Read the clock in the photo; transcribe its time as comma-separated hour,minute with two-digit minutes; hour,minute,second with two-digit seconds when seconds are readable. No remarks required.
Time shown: 10,33,24
